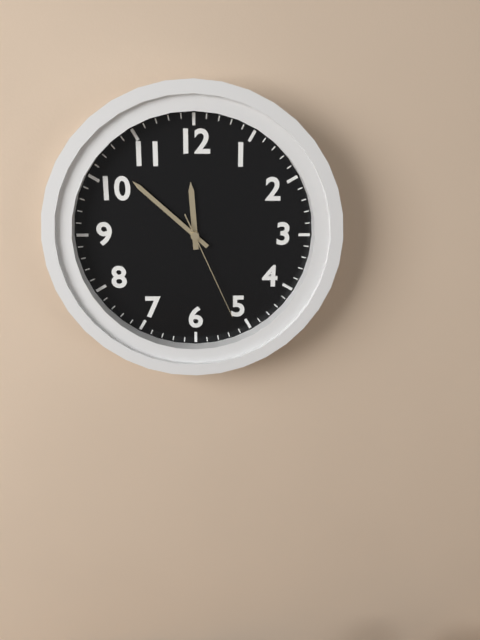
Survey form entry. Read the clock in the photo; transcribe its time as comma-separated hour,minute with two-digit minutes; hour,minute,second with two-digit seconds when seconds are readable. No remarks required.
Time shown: 11,52,26
